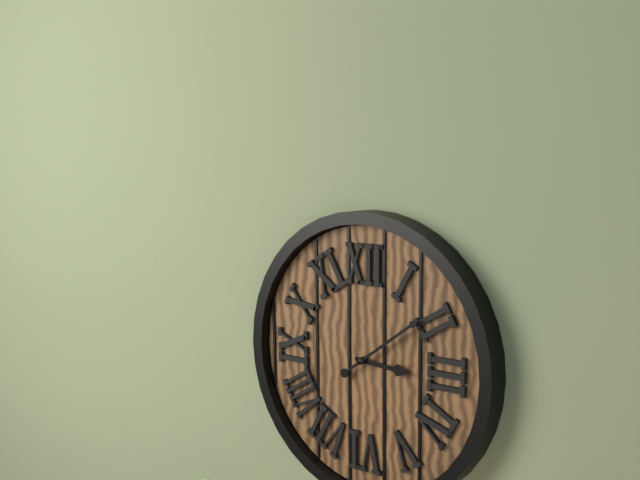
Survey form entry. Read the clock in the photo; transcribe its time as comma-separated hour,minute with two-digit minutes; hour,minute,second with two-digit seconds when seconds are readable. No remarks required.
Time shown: 3,09
